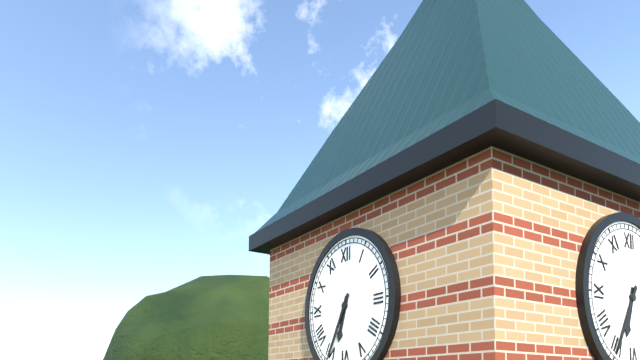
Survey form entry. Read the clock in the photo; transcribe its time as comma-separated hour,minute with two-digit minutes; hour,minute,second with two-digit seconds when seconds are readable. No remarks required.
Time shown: 6,35
